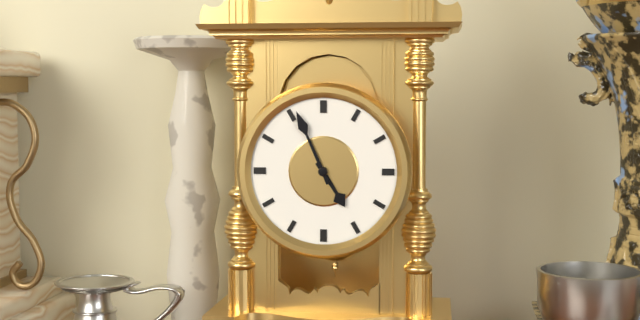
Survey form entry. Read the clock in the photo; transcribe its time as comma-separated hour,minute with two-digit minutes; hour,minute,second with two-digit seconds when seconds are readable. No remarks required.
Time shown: 4,56
